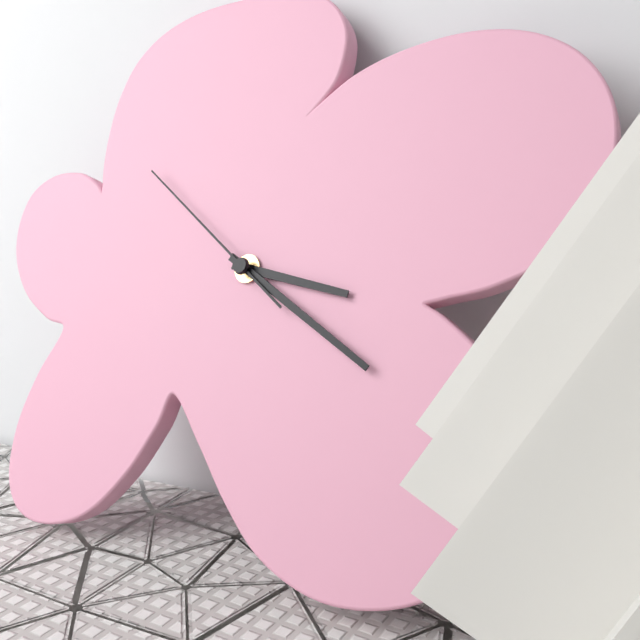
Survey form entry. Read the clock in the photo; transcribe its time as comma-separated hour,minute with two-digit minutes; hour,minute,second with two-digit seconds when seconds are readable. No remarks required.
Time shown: 3,20,51
